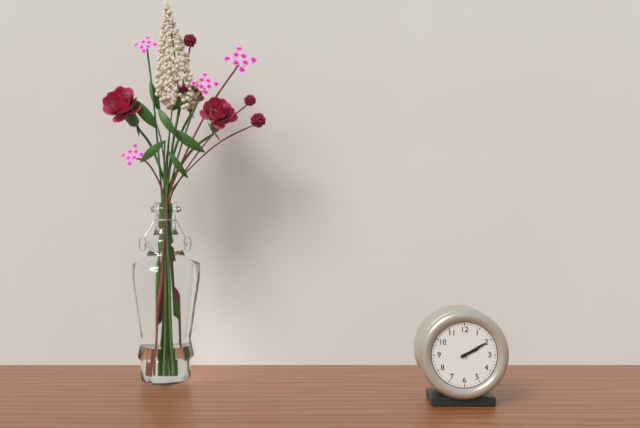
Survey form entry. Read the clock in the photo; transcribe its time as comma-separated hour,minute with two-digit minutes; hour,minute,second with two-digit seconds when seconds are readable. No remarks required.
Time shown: 2,10
